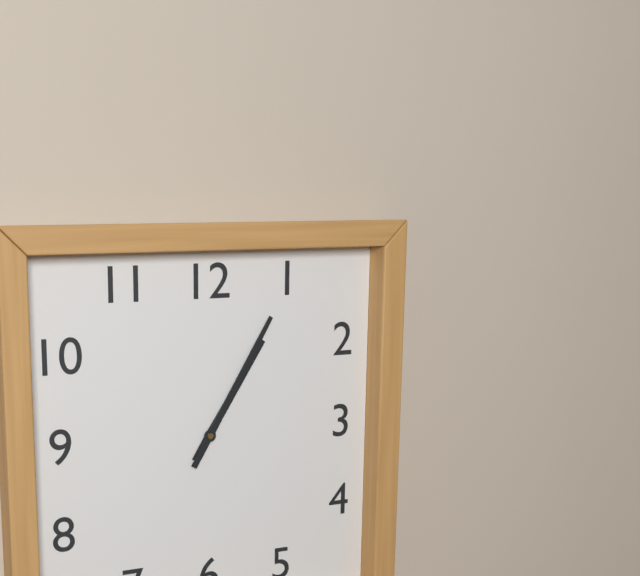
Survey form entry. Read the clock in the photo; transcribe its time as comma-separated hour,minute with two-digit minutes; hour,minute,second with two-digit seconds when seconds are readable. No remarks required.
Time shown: 1,05
